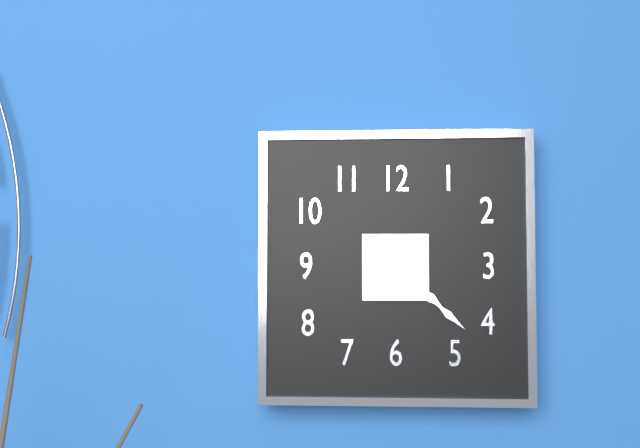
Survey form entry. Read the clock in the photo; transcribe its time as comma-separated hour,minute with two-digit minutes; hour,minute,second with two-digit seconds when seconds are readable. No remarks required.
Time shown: 4,22
